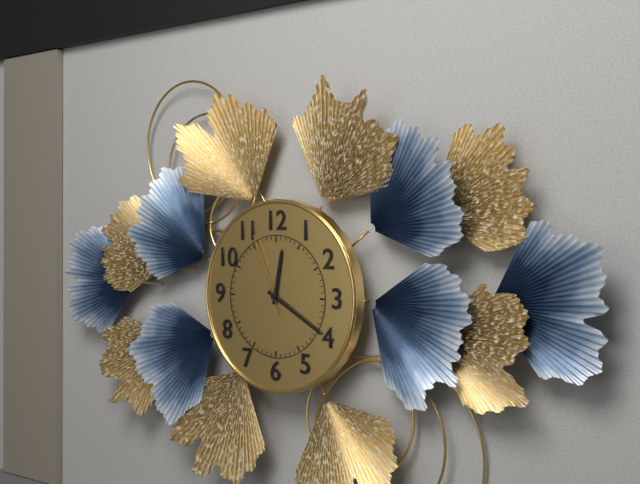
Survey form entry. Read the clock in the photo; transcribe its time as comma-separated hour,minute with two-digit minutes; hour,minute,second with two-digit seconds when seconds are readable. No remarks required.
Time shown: 12,20,56
